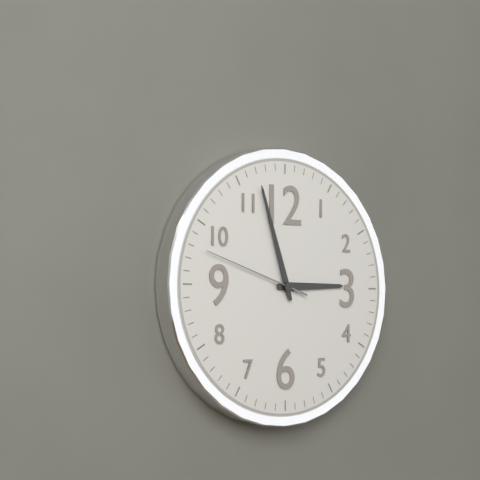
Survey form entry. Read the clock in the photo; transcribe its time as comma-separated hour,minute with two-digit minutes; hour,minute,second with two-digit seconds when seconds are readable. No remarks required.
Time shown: 2,57,48
